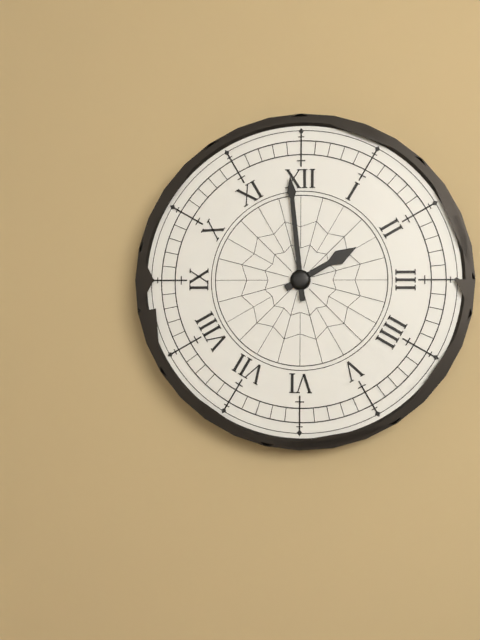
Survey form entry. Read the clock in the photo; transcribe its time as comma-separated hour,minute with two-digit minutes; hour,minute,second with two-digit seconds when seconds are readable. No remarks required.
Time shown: 1,59
